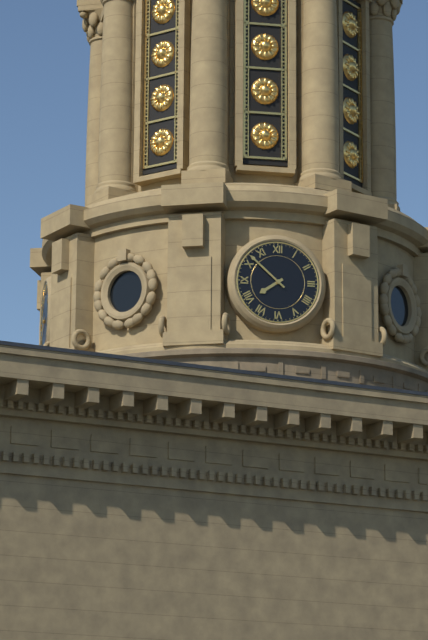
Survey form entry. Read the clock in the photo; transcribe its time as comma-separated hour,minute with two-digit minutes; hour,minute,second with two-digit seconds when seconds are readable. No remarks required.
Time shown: 7,52
